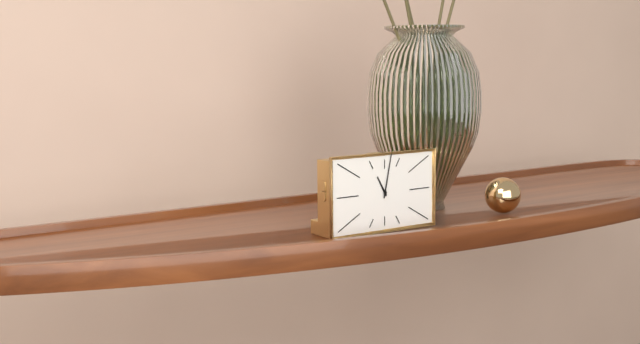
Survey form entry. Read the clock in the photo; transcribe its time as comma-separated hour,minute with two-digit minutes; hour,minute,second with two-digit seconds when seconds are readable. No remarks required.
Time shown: 11,02
